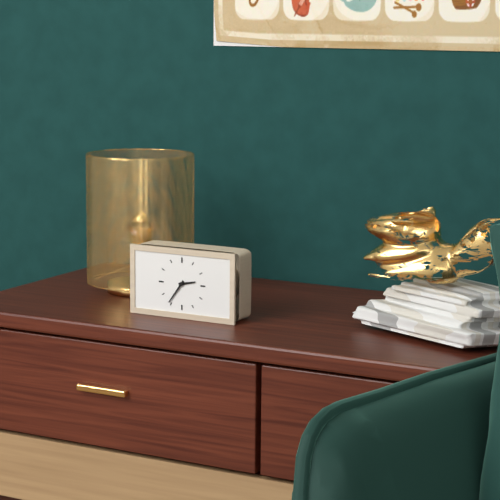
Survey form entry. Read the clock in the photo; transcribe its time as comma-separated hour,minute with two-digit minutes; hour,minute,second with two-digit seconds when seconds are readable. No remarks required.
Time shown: 2,36
